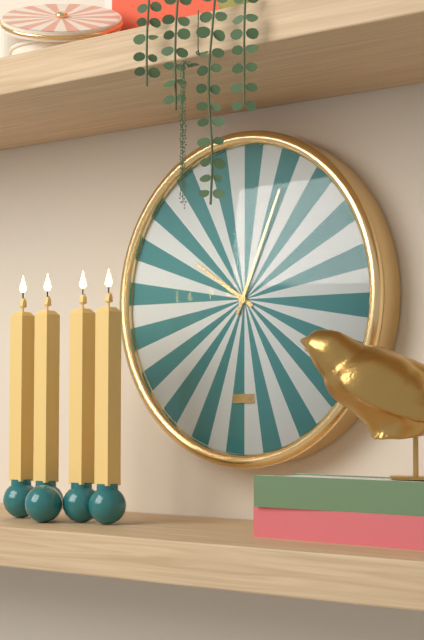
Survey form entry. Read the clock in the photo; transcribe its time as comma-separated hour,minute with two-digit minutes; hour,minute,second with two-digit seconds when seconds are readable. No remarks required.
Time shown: 10,04
